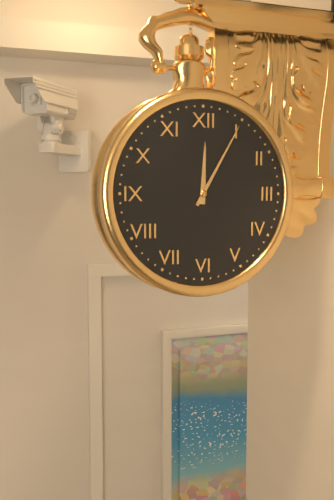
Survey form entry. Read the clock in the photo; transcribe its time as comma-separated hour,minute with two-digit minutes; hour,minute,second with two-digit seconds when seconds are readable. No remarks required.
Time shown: 12,05
